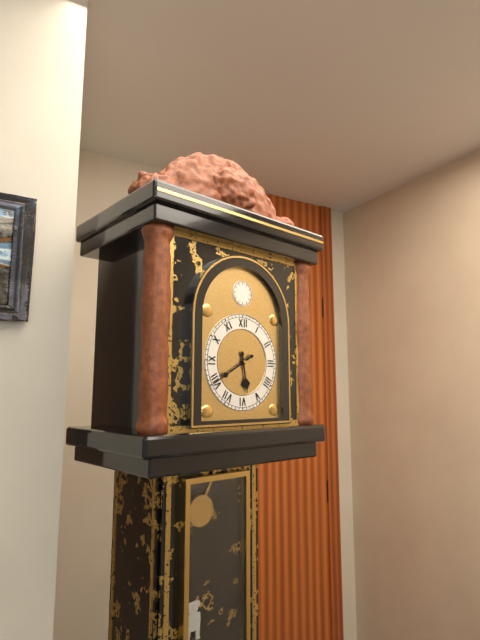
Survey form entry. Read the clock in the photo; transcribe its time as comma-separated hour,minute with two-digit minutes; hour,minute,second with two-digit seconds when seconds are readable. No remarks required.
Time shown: 5,40
